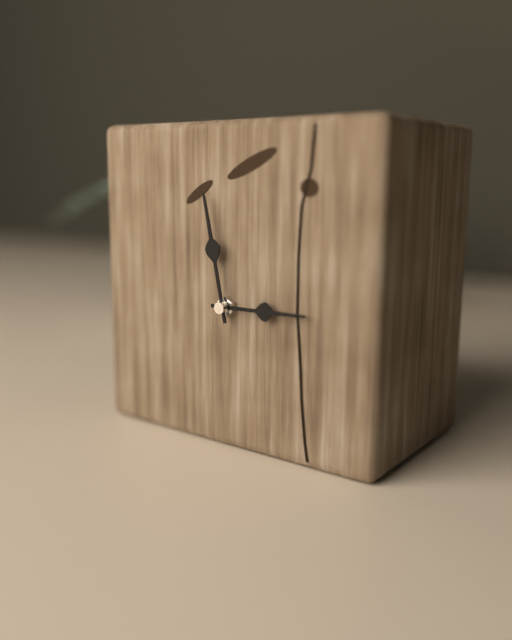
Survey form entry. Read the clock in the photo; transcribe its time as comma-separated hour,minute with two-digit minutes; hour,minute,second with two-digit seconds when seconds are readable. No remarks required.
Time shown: 2,58
